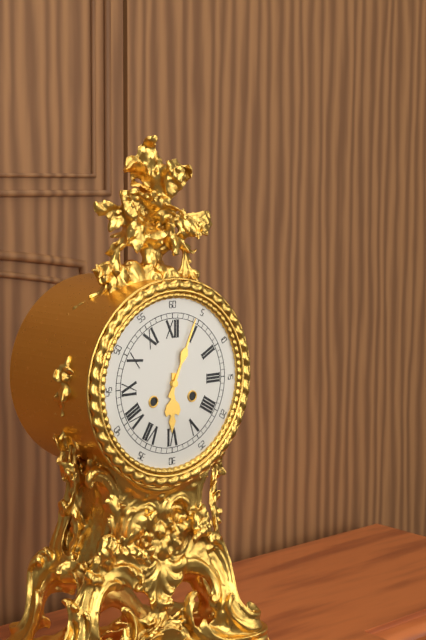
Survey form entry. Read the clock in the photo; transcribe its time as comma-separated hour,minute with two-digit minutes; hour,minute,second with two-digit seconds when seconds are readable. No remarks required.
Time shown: 6,04
